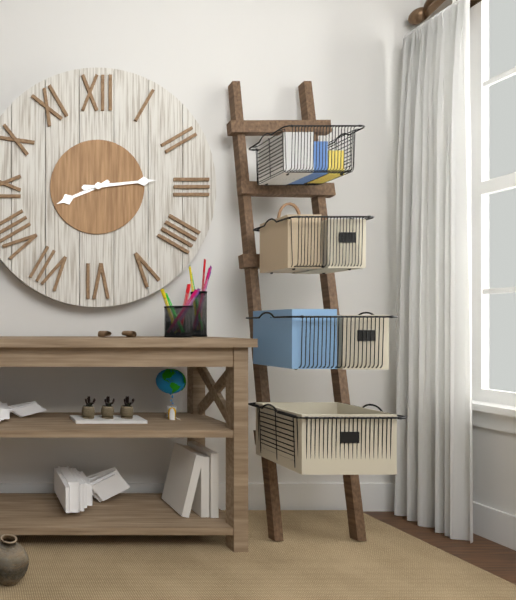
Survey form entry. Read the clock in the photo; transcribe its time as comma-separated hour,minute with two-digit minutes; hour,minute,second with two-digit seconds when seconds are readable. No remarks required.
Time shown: 8,14
